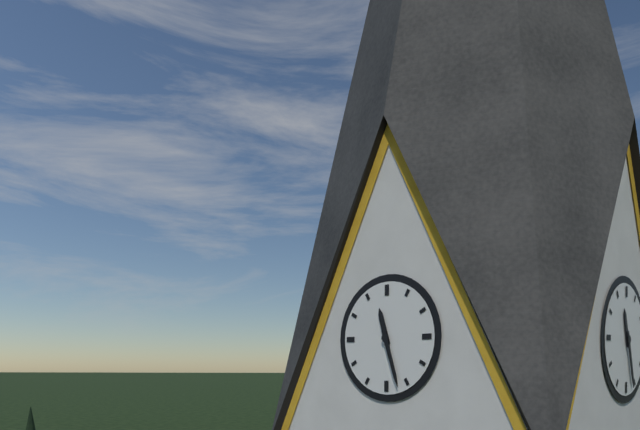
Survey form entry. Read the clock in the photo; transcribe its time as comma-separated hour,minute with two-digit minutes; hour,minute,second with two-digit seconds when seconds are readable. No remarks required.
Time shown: 11,27
